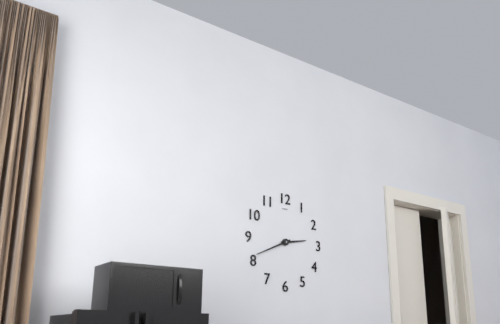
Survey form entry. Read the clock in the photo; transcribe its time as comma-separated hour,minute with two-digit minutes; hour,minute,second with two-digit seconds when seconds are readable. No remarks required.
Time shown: 2,41
